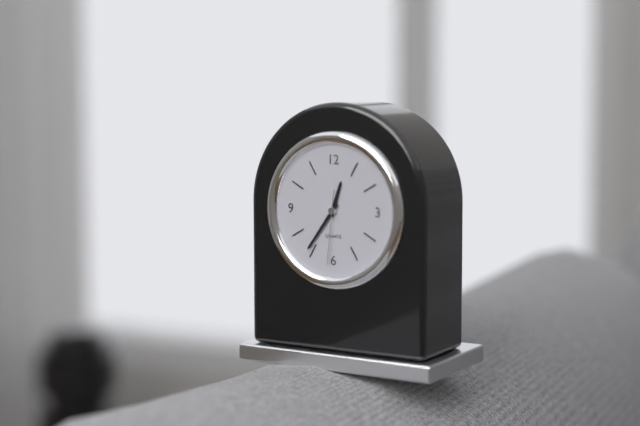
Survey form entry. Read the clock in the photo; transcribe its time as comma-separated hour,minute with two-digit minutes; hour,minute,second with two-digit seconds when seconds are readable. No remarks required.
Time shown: 12,36,31
